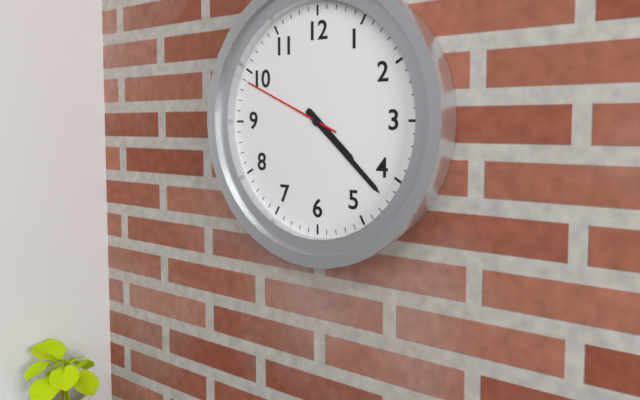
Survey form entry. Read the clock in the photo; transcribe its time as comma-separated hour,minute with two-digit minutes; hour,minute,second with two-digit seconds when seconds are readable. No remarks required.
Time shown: 4,22,49
